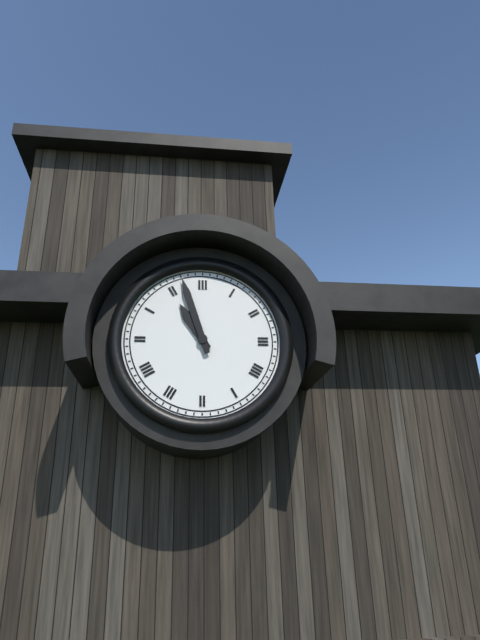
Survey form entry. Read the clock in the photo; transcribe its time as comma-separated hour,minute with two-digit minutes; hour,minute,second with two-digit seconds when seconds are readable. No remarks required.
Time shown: 10,57
